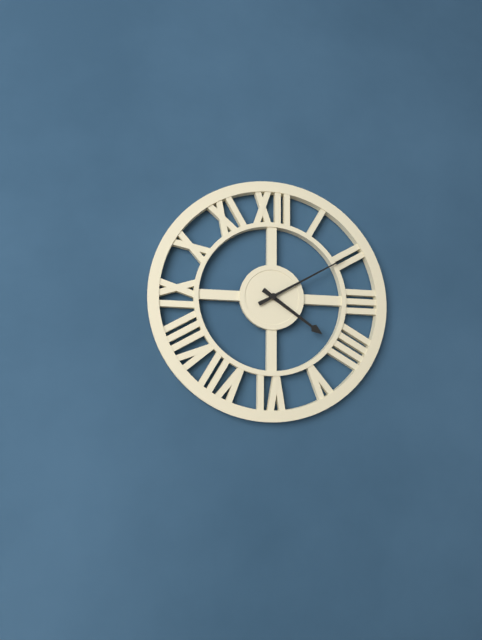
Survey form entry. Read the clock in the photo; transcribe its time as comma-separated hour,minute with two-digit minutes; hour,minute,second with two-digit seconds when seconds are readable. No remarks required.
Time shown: 4,10
